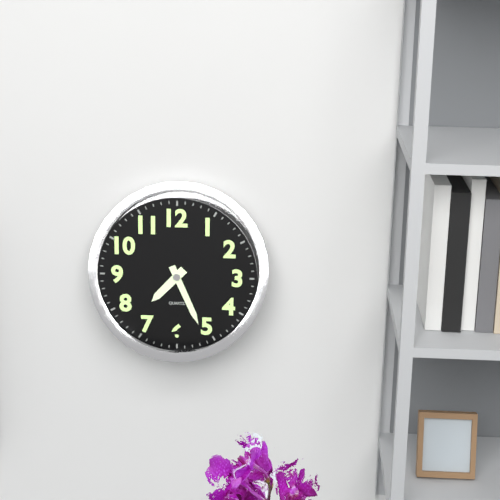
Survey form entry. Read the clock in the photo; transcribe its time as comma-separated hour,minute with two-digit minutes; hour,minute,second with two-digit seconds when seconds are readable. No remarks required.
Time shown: 7,26
